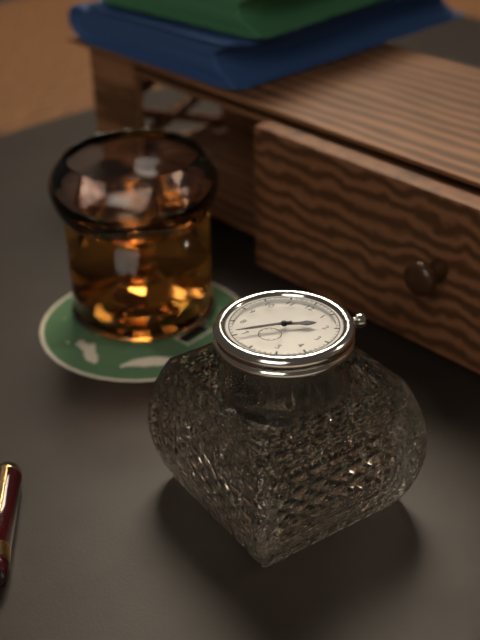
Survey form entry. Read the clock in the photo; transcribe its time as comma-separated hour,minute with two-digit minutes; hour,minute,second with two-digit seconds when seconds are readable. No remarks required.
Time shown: 1,36
